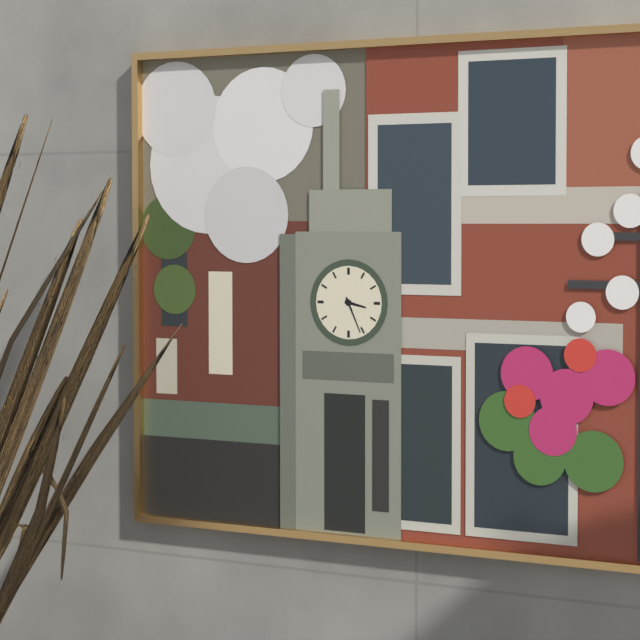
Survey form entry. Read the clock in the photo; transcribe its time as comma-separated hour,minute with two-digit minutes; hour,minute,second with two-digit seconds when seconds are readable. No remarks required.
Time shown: 3,26
